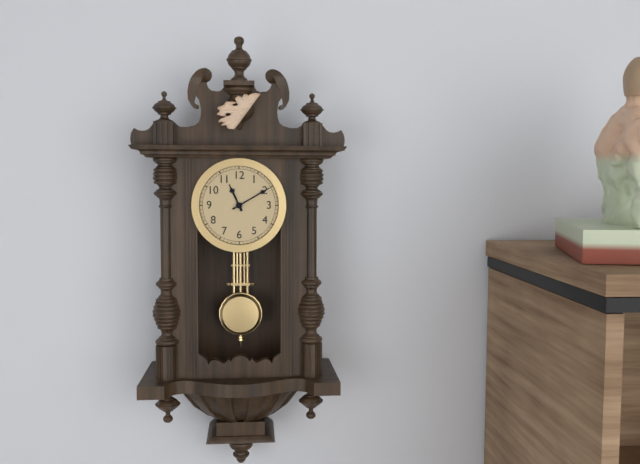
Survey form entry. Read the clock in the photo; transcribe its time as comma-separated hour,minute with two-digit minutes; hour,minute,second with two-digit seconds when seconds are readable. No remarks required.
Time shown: 11,10
